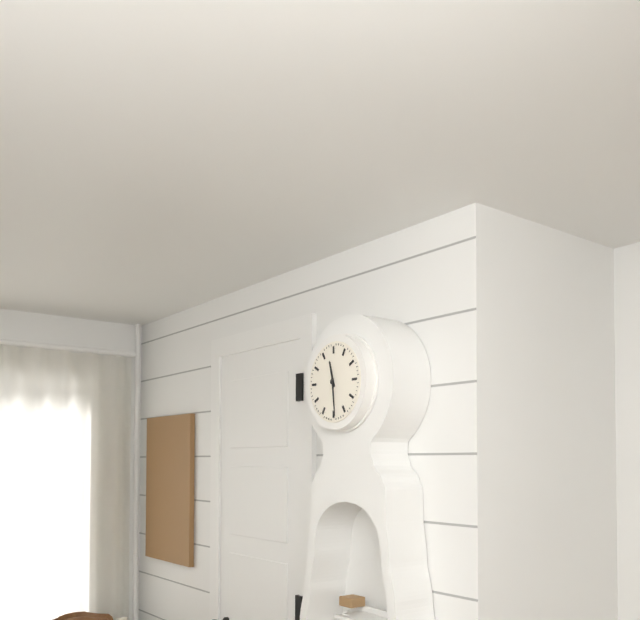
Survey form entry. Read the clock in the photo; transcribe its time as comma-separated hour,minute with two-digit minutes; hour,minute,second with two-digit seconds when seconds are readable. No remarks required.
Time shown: 11,29
